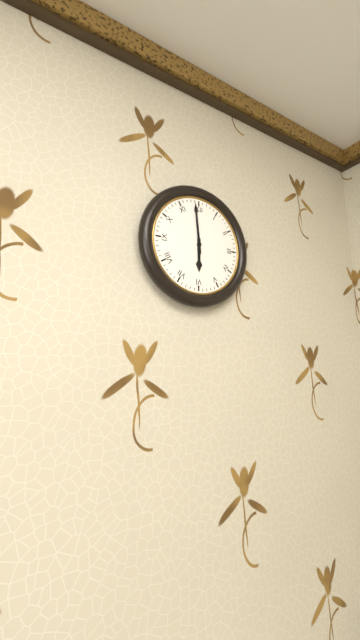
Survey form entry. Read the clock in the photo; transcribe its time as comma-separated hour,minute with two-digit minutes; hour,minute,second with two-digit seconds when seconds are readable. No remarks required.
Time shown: 5,59
